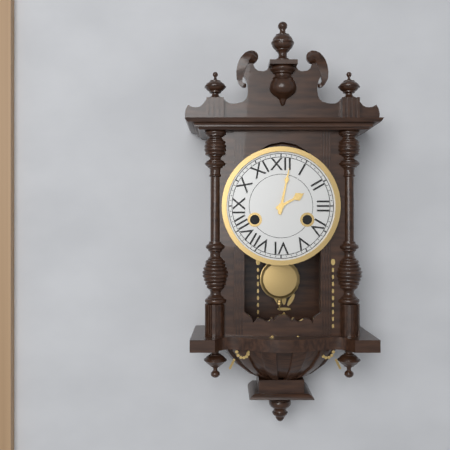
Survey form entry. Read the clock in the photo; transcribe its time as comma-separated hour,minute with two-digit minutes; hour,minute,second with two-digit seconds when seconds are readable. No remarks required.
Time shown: 2,02
